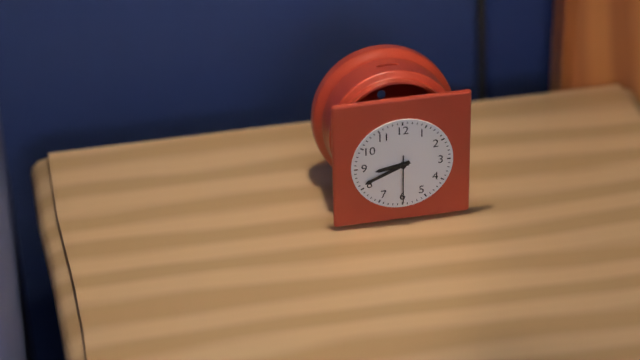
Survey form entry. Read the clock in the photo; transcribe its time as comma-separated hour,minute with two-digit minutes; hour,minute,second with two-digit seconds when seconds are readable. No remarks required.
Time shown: 8,41
